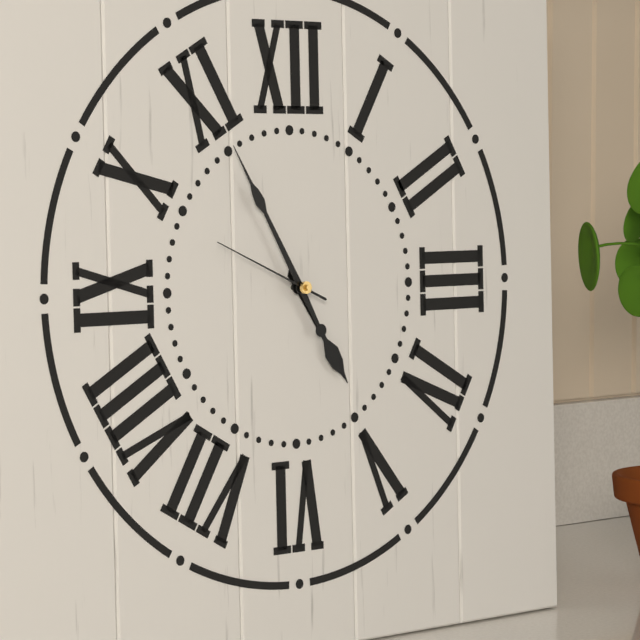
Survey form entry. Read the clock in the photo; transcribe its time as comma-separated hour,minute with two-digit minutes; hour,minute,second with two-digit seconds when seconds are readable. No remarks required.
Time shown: 4,55,49
